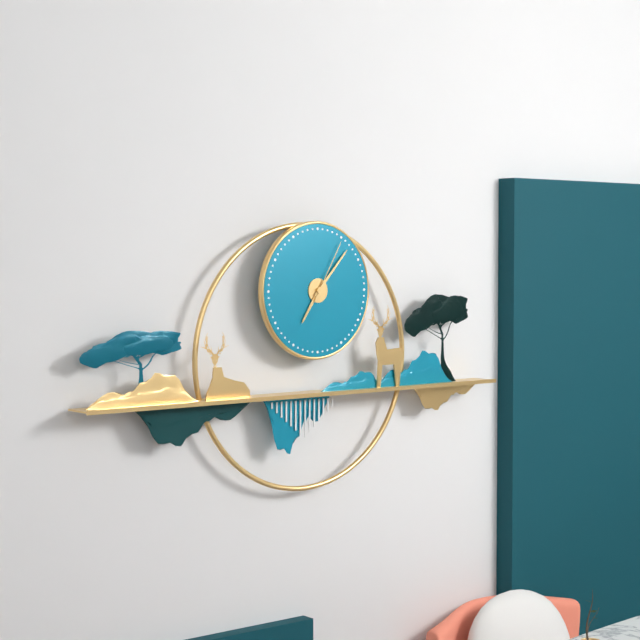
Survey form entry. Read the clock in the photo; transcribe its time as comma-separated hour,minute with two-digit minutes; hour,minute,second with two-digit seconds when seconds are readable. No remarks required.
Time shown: 7,07,05
